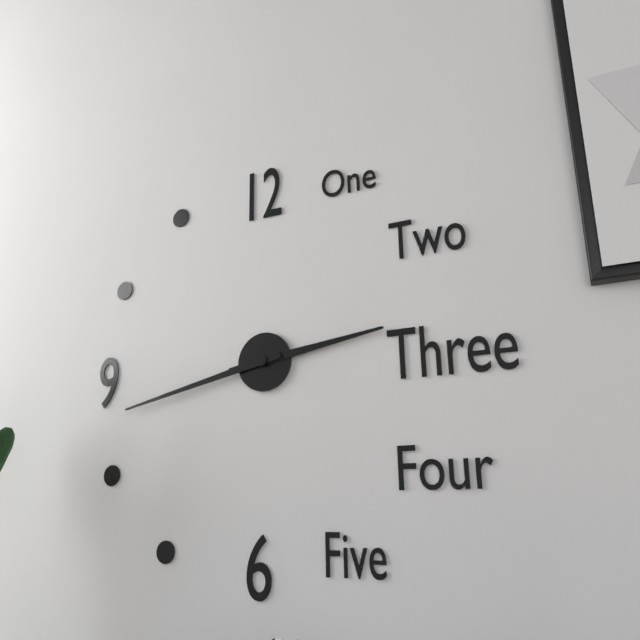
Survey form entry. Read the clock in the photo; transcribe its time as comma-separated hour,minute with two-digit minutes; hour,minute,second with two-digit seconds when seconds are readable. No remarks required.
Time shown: 2,43
